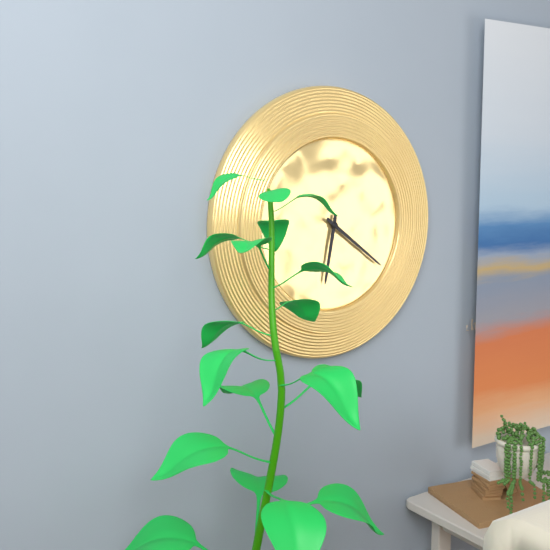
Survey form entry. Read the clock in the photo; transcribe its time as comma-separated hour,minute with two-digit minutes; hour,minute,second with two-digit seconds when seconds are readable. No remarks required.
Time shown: 6,21
